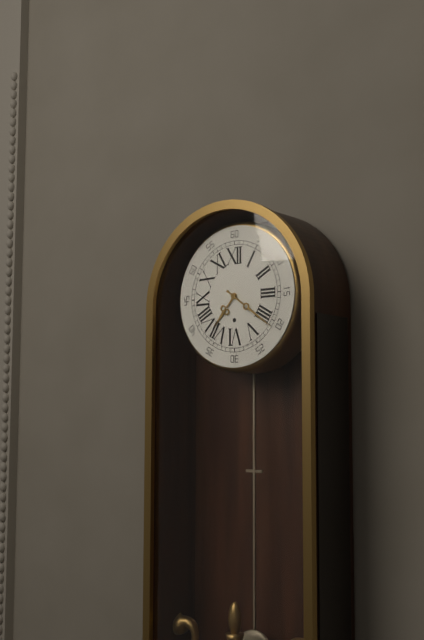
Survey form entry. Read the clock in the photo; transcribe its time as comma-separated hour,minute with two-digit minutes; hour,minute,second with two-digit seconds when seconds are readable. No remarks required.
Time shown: 7,21
